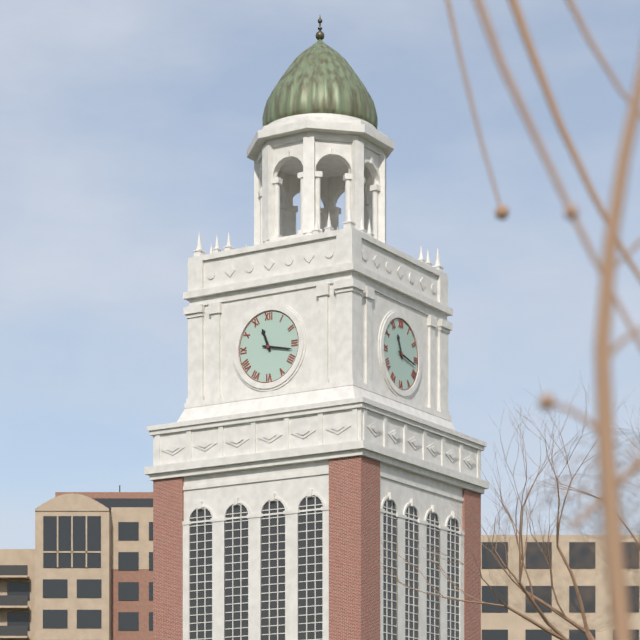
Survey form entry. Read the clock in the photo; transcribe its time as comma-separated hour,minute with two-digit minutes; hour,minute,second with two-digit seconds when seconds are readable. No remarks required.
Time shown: 11,17
